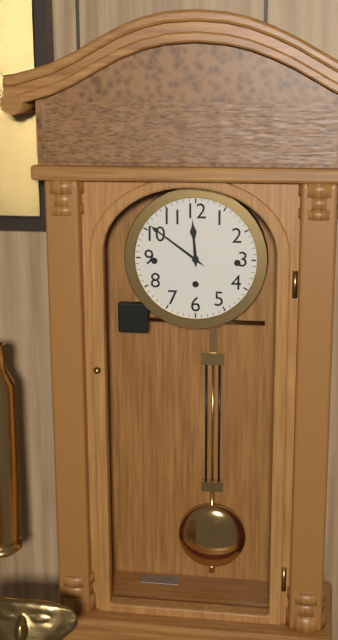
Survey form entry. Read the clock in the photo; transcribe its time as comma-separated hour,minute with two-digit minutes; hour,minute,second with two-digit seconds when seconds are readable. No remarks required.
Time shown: 11,51
